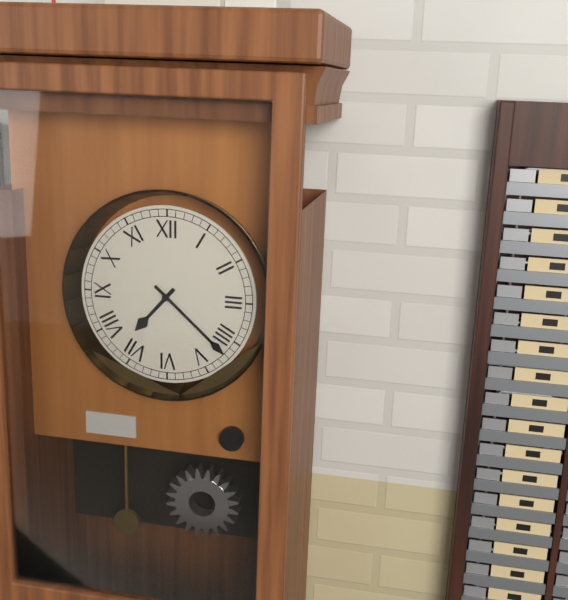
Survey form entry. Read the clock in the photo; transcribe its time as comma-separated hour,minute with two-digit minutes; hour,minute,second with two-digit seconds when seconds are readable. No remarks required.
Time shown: 7,22
